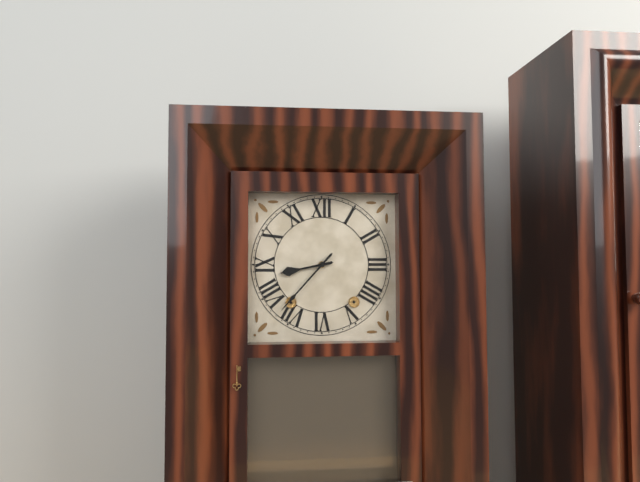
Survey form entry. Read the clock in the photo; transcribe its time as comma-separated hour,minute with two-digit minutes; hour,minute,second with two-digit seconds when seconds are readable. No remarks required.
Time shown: 8,37
